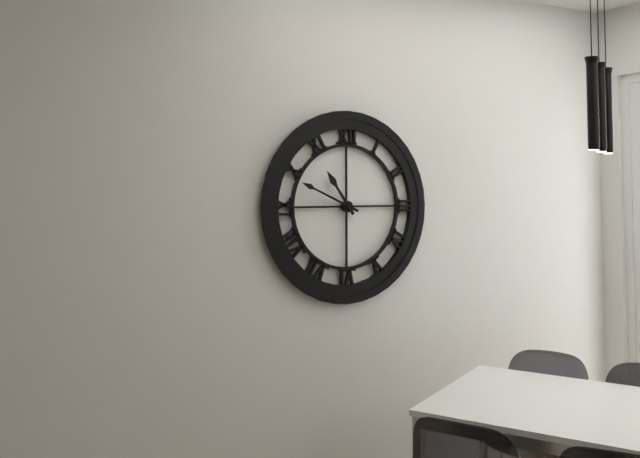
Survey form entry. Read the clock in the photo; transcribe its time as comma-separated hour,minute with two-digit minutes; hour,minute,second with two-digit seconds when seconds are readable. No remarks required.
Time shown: 10,49
